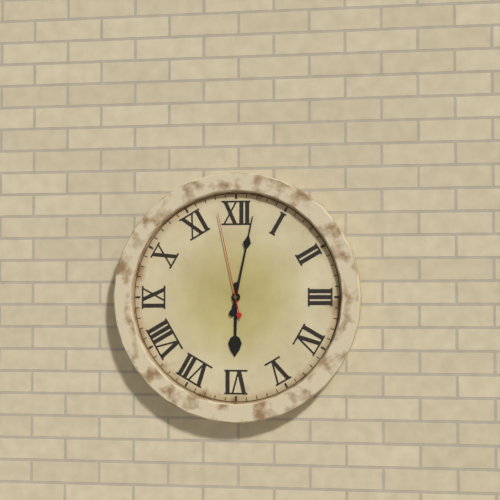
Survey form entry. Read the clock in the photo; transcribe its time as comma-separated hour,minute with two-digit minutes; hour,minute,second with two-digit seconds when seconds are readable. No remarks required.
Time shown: 6,02,58
